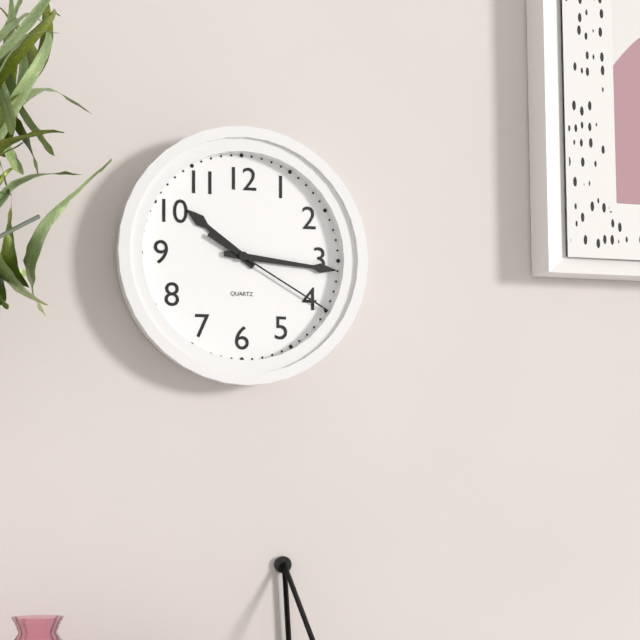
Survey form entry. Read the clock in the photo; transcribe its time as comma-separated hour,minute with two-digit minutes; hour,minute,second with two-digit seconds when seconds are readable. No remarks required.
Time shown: 10,16,20
